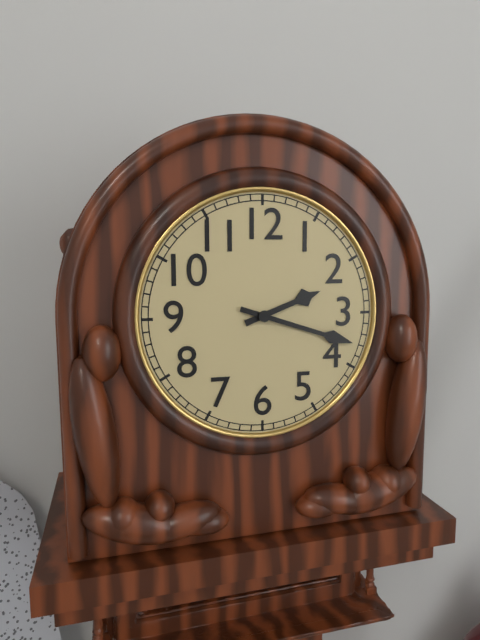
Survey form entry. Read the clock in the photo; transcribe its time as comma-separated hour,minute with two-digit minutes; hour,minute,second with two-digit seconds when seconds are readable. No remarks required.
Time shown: 2,18
